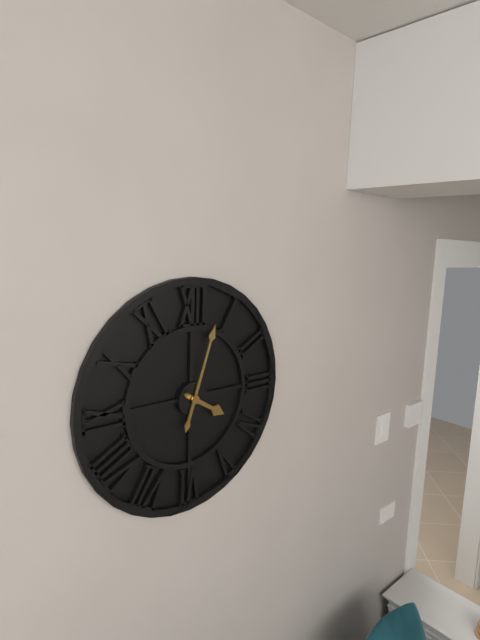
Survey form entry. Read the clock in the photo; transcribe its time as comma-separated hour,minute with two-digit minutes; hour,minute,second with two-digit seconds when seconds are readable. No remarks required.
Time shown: 4,03
